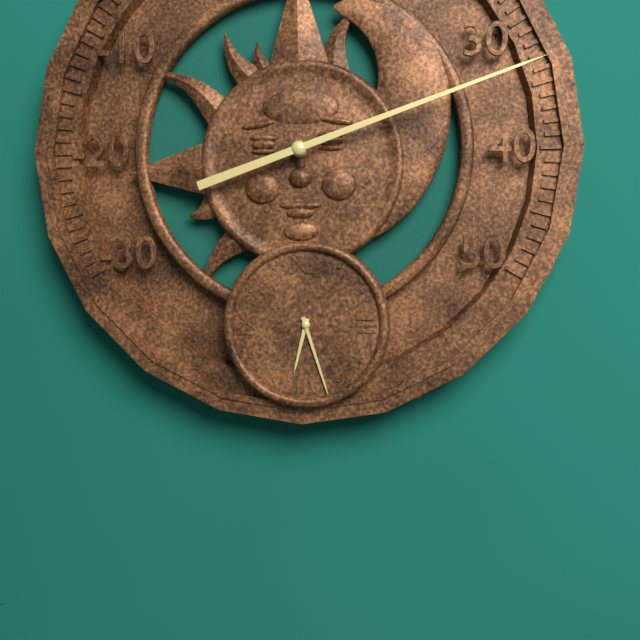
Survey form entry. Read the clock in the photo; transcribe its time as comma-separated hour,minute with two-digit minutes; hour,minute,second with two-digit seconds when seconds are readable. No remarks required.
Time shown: 6,27
